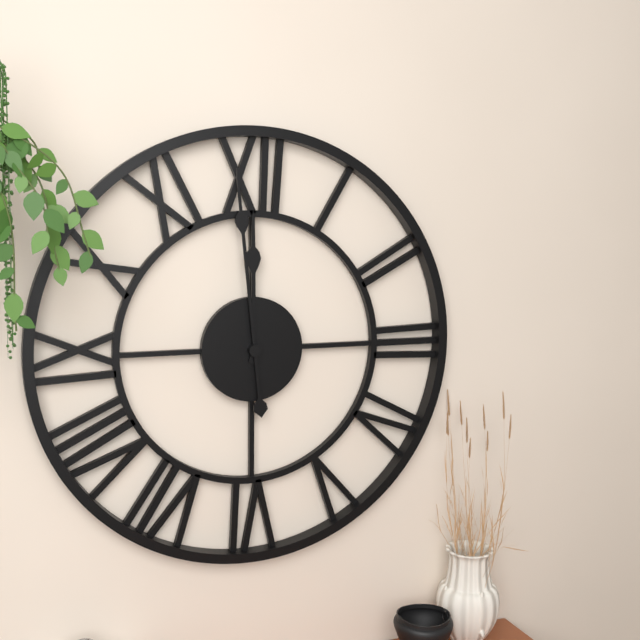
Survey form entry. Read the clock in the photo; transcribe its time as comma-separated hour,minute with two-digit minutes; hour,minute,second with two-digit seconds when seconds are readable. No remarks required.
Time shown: 11,59
